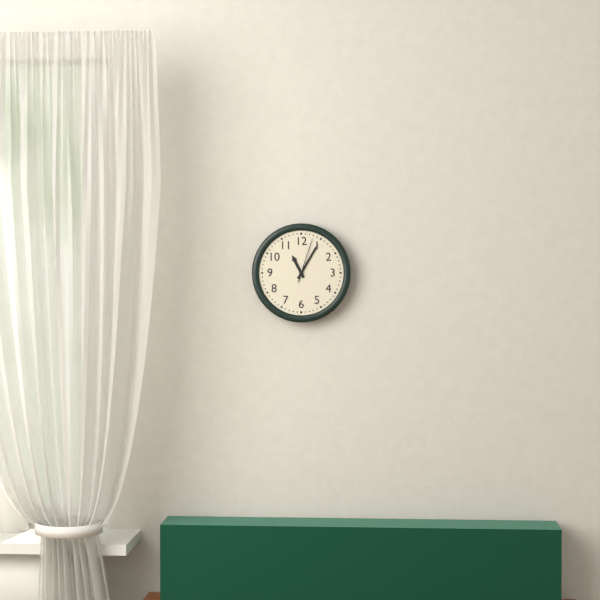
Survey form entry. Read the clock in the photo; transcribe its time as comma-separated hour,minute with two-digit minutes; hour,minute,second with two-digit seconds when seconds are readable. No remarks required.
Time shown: 11,05
